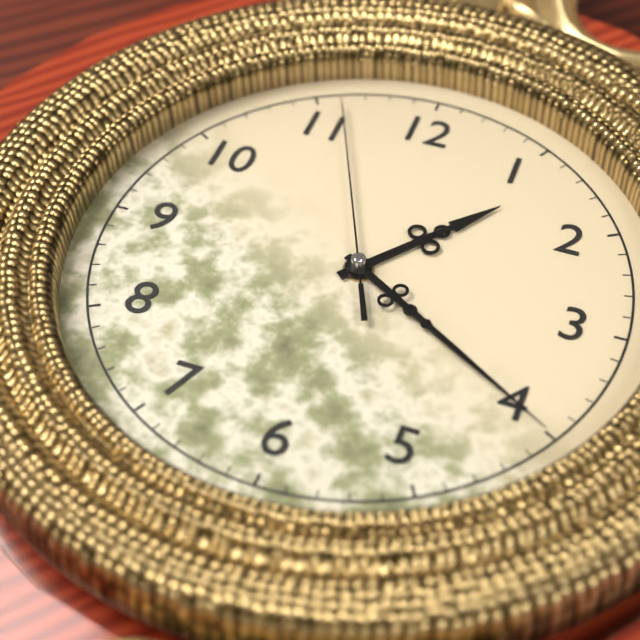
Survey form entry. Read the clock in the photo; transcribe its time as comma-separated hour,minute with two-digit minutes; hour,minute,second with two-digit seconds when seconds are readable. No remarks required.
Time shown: 1,20,56
